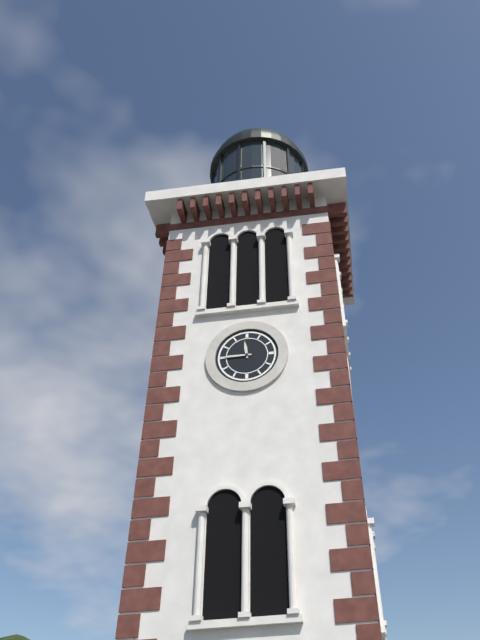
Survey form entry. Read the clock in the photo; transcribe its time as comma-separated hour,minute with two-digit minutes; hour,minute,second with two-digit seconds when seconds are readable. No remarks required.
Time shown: 11,45
